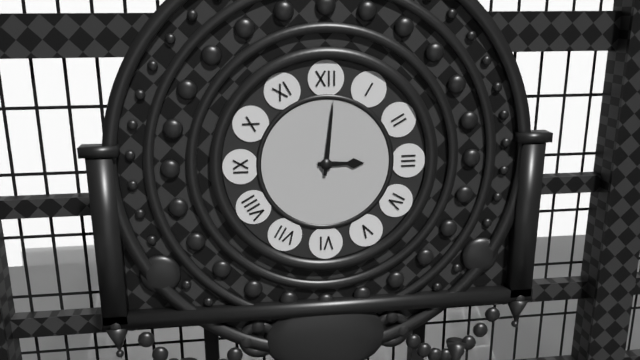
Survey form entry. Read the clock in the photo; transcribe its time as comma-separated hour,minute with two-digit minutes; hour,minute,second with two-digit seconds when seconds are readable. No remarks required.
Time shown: 3,01
